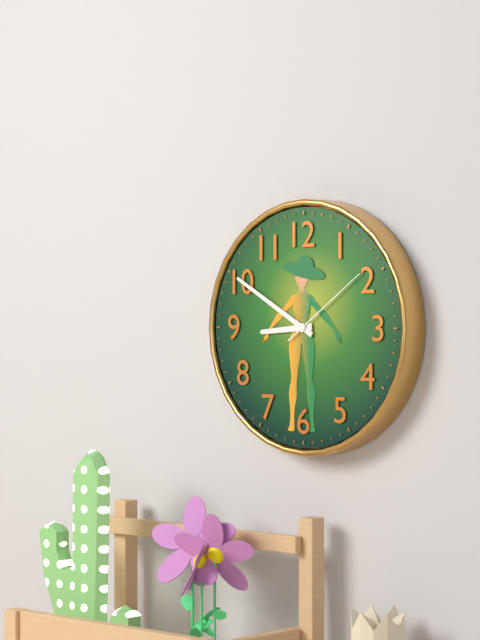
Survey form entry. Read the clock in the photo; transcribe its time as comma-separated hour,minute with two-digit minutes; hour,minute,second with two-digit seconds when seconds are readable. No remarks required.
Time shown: 8,50,09
